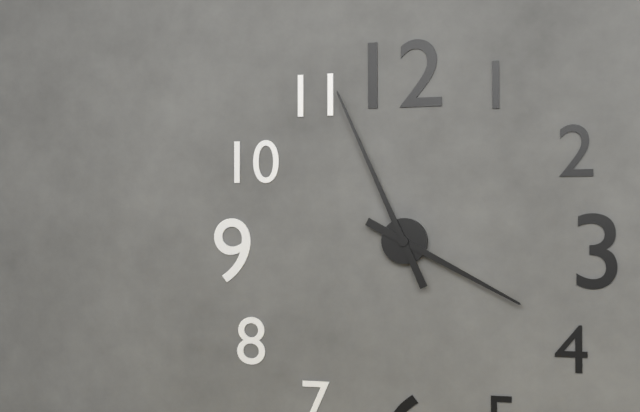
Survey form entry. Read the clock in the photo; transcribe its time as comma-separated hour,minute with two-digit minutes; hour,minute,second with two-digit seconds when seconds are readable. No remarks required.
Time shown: 3,56
